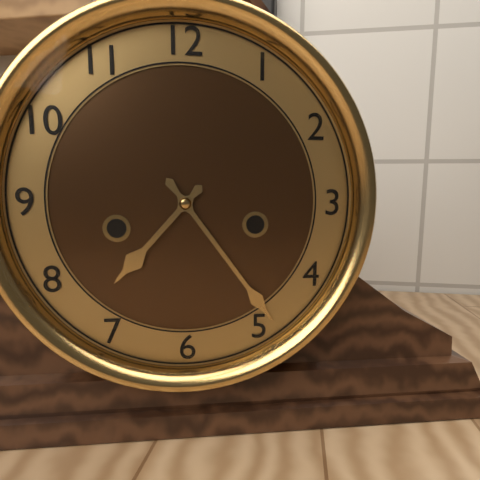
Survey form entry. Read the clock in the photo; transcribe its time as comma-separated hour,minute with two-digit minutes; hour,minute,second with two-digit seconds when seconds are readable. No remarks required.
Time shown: 7,24
